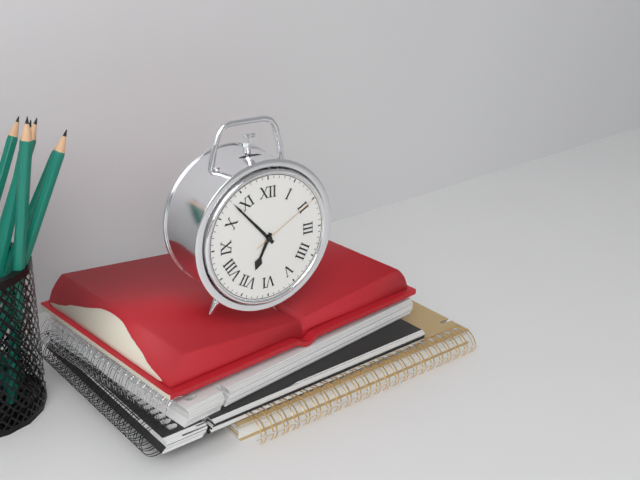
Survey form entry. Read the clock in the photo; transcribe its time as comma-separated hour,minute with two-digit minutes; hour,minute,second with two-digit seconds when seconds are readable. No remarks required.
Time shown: 6,53,10
